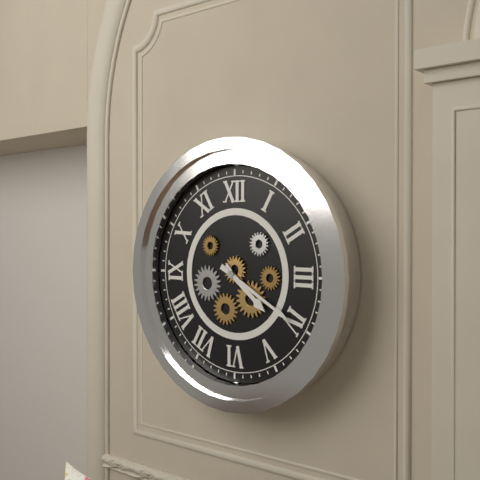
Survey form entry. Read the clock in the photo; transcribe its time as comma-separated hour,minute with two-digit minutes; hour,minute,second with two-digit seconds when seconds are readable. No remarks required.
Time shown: 4,20
